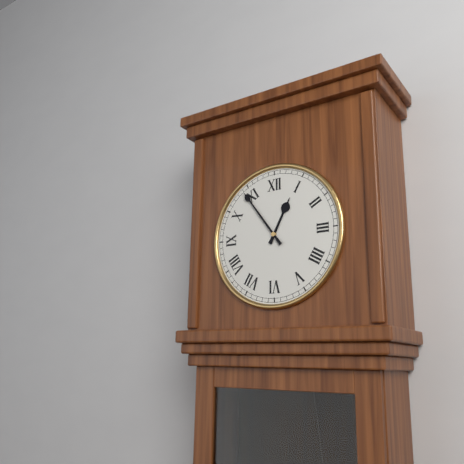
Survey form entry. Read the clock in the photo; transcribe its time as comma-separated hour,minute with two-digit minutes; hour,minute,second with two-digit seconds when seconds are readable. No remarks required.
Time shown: 12,54
